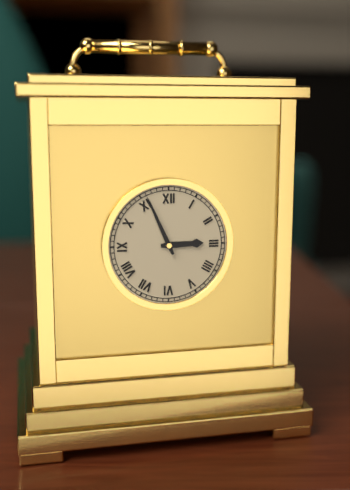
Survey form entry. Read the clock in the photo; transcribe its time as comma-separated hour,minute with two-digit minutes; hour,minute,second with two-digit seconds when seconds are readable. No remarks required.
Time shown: 2,56
